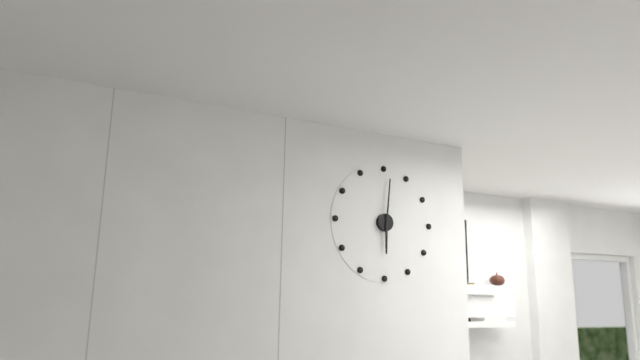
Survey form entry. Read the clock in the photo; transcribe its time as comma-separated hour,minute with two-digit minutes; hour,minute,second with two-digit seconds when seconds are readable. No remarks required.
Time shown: 6,01
